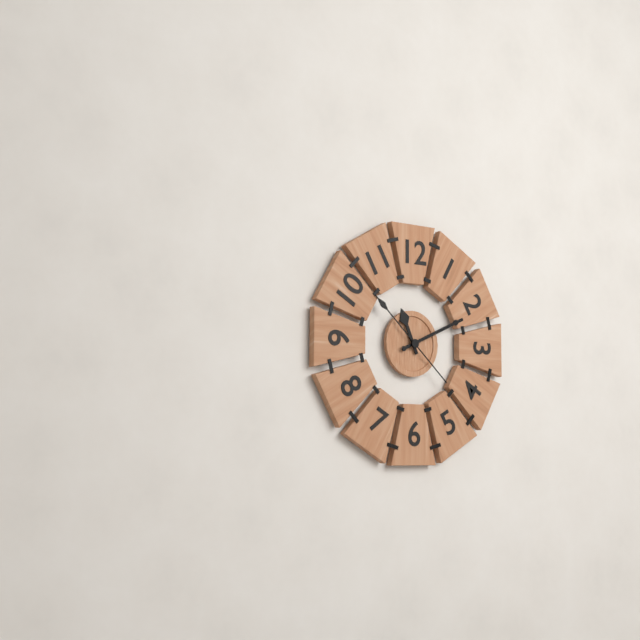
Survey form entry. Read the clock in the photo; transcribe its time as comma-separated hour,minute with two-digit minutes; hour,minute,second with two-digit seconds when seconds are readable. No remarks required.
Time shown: 11,11,52
